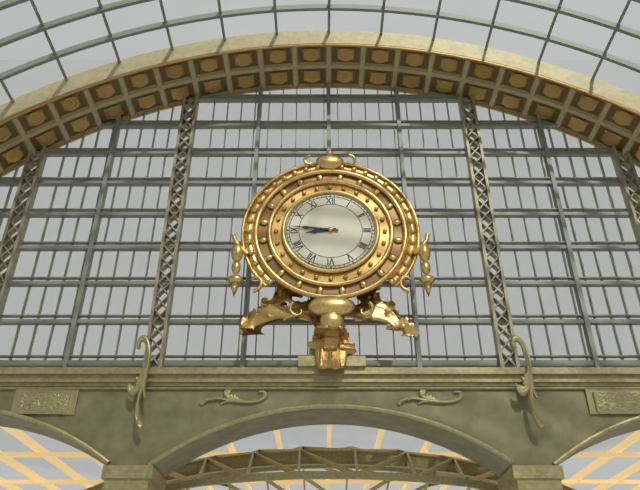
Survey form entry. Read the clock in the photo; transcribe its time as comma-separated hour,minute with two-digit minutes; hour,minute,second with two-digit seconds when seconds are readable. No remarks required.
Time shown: 8,46
